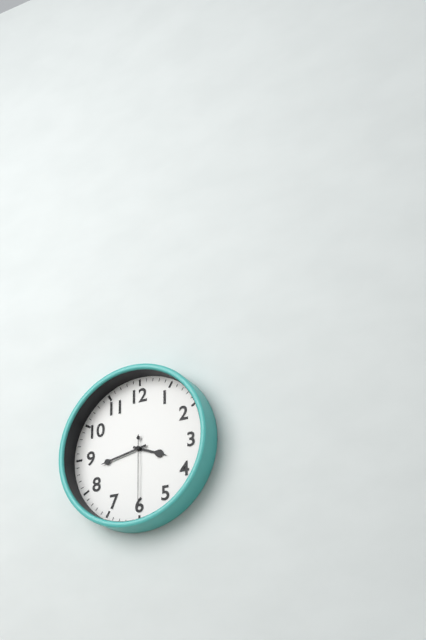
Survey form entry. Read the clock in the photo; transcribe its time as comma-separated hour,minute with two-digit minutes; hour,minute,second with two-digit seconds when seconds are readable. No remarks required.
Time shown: 3,43,30
